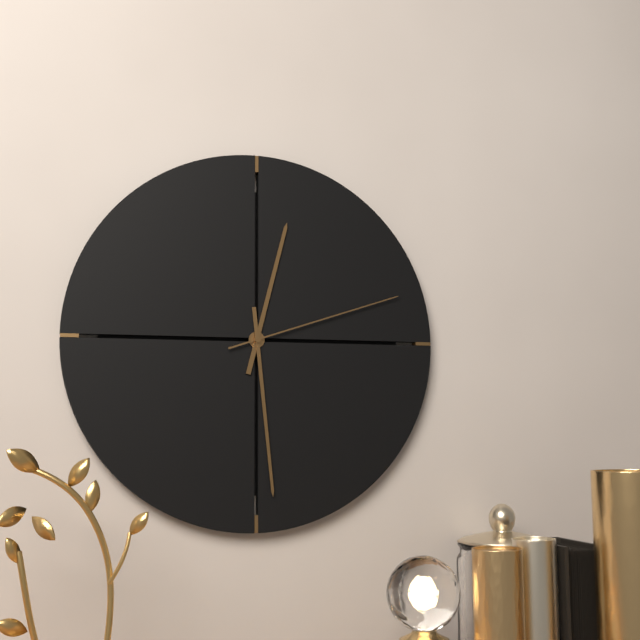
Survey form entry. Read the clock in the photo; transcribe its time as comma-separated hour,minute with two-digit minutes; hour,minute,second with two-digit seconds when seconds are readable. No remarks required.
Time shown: 12,29,12
